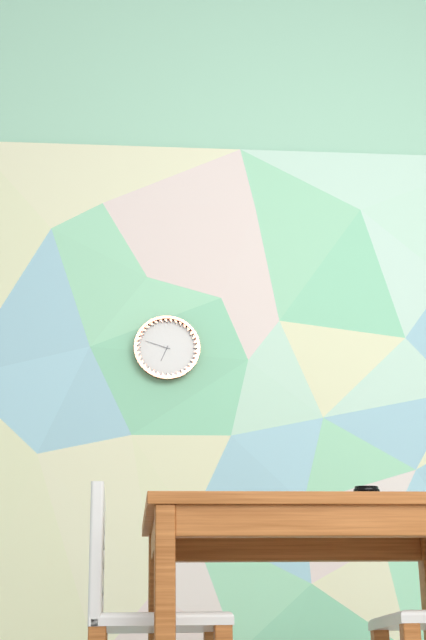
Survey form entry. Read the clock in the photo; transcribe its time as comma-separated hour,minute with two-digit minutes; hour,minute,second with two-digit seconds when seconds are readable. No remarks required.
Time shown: 6,48
